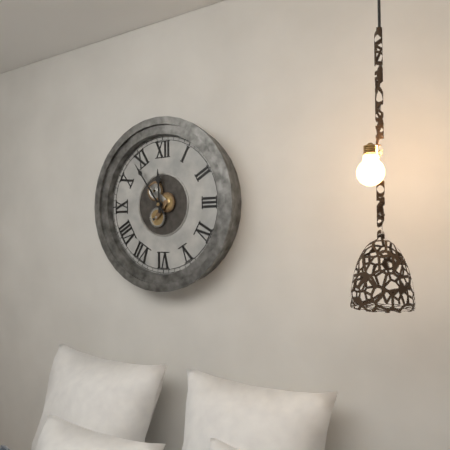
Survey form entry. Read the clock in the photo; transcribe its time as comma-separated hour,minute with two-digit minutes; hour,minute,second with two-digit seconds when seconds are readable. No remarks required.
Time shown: 11,54
